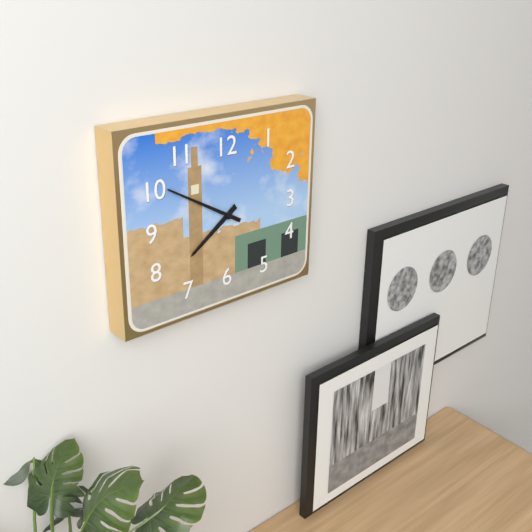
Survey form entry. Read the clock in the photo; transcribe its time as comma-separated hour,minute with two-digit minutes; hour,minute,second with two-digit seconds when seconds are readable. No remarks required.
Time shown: 7,50
